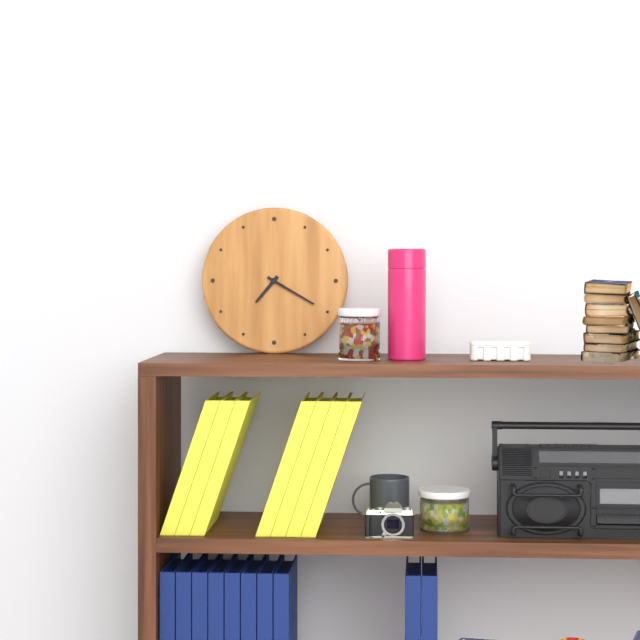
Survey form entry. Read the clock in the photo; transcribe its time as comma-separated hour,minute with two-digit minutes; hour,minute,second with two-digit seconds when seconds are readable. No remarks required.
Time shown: 7,20
